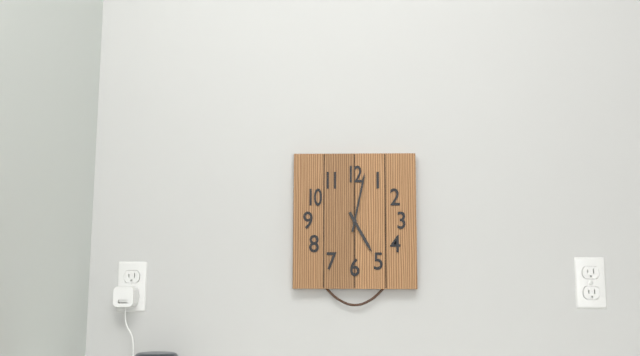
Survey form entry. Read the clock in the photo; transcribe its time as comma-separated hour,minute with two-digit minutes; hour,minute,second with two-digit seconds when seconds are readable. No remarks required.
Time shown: 5,02
